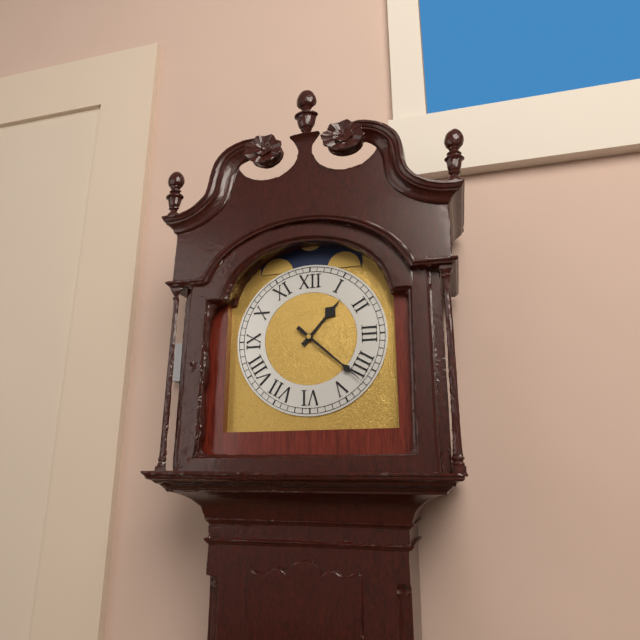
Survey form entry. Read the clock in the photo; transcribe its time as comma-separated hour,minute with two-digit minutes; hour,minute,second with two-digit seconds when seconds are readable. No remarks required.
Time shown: 1,22
